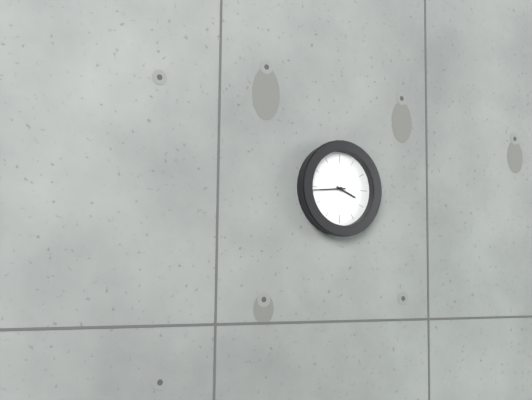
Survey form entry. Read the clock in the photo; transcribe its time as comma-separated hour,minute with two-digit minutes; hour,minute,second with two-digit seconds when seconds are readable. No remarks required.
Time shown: 3,44
